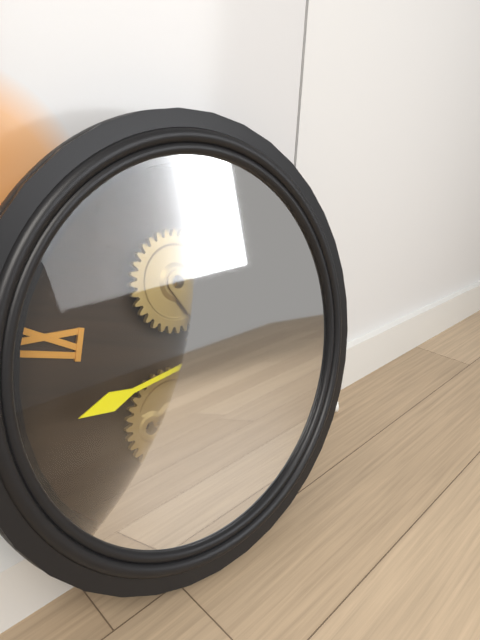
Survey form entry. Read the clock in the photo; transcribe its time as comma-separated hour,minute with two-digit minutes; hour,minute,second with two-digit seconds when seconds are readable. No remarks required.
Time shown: 5,41
